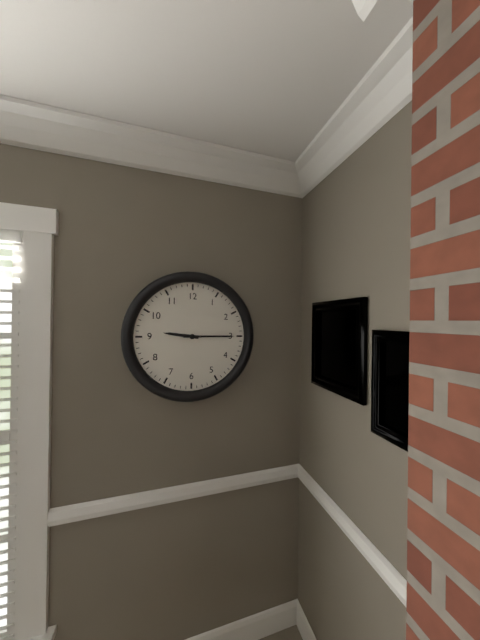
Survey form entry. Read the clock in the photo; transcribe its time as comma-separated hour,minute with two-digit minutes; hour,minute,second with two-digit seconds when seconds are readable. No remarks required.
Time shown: 9,15
